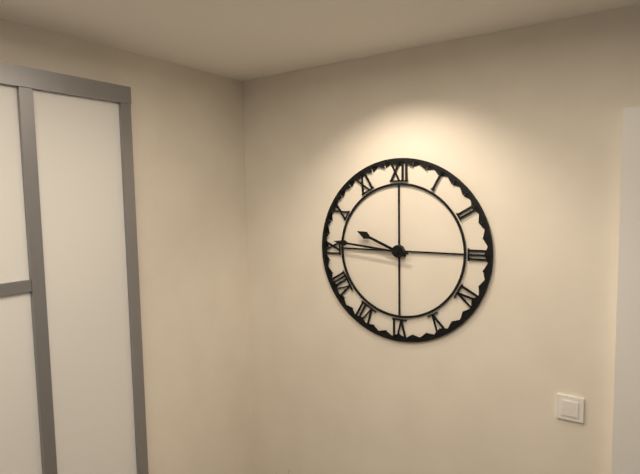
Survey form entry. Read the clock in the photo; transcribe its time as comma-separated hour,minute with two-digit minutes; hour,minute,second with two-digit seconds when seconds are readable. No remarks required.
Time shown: 9,46
